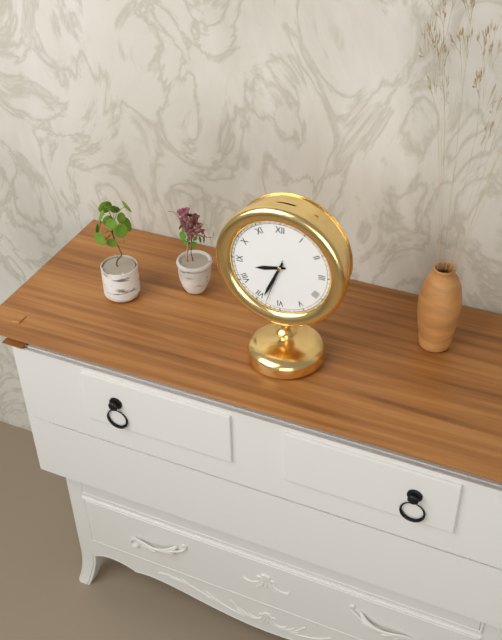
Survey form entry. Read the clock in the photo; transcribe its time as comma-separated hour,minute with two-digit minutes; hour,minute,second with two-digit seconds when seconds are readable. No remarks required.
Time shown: 8,34
